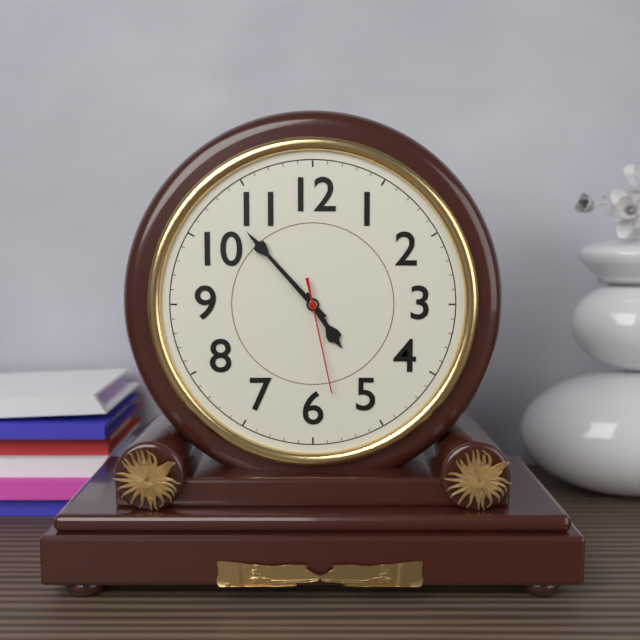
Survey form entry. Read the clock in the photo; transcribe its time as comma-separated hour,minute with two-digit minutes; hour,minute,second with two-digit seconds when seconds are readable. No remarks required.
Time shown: 4,53,28
